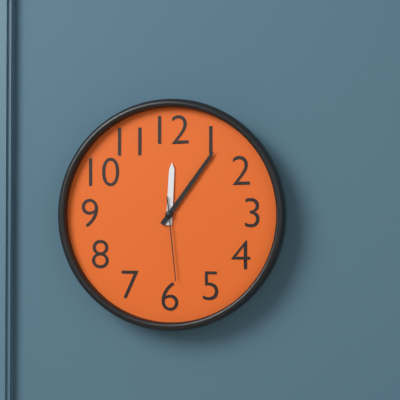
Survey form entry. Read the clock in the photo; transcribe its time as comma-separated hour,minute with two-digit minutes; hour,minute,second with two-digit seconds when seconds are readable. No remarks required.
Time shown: 12,06,29
